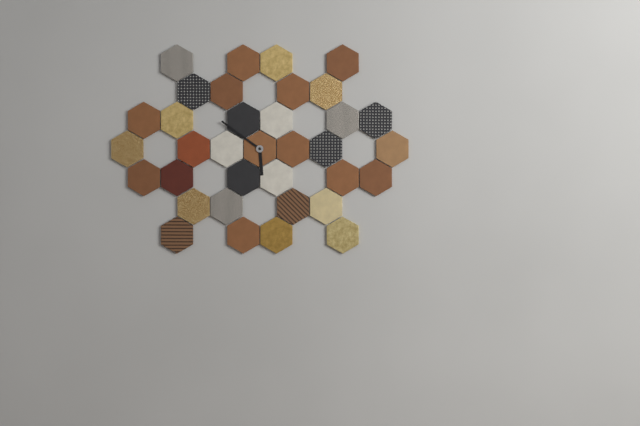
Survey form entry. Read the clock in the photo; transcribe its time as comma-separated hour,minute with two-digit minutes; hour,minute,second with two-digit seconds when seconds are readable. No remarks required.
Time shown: 5,51
